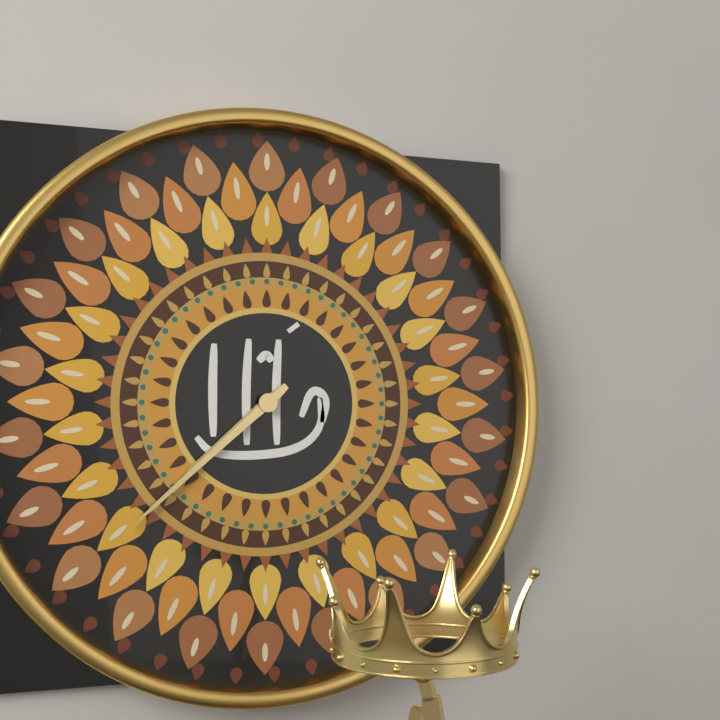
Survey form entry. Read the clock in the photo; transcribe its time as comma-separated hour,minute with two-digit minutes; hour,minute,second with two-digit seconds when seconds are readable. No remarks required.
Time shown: 7,38
